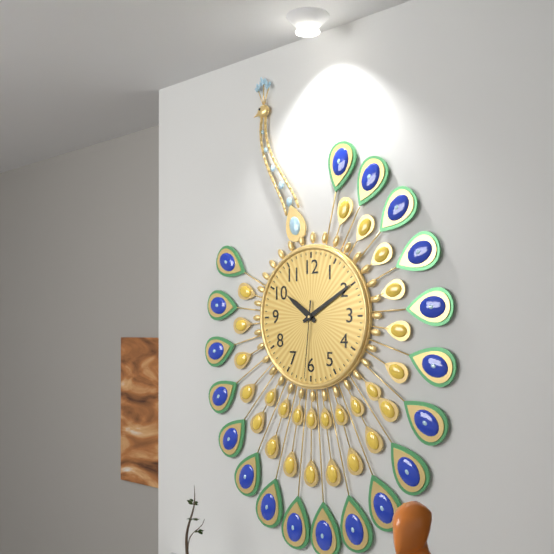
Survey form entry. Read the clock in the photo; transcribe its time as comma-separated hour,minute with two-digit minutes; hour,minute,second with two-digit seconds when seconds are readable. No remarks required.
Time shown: 10,10,31
